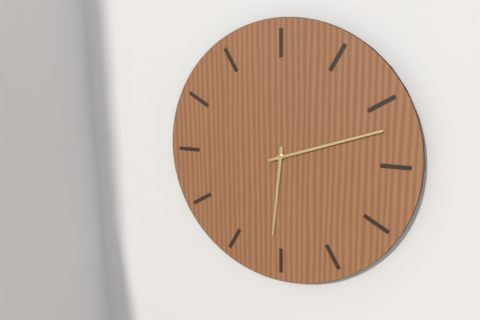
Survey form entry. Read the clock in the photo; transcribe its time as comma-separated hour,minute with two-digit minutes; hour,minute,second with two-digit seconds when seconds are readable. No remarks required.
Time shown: 6,12
